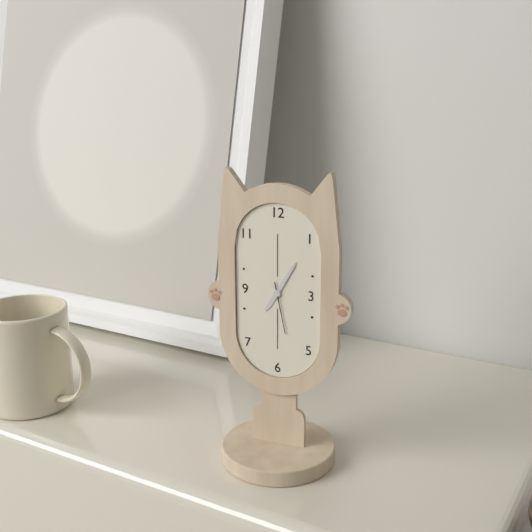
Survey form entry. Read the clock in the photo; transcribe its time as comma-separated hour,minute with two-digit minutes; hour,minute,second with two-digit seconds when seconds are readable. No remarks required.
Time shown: 7,05,28
